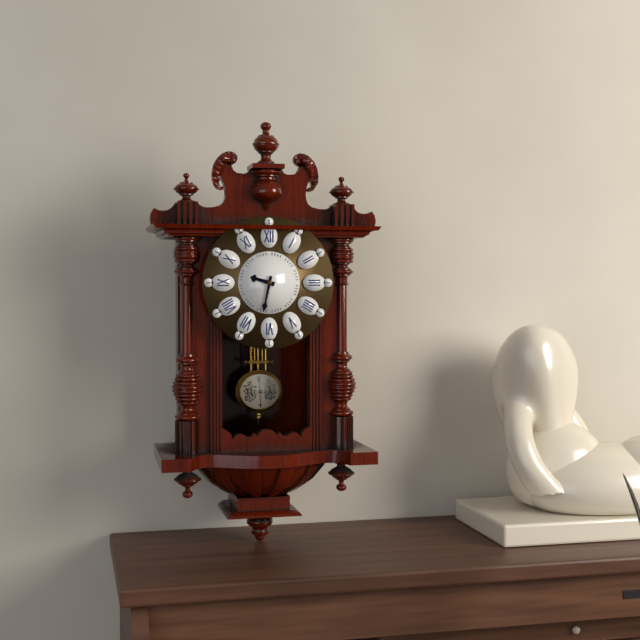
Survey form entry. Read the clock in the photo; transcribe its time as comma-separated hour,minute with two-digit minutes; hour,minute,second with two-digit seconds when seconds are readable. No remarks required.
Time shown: 9,32
